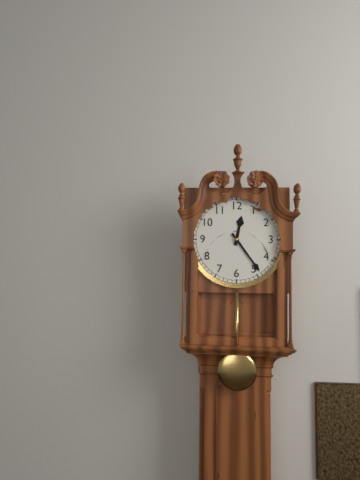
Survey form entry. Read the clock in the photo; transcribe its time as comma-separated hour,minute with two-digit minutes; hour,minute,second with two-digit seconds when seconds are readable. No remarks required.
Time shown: 12,24
